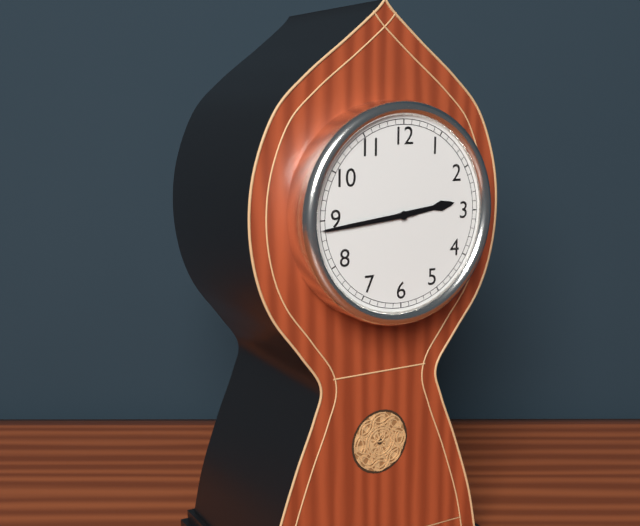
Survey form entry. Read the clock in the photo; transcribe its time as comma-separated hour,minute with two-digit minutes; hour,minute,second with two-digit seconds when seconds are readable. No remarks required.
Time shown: 2,44
